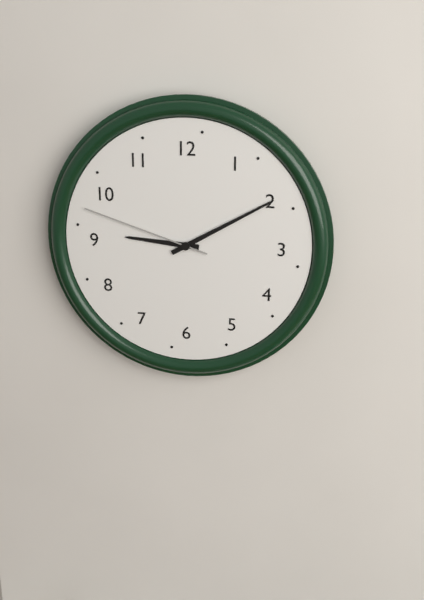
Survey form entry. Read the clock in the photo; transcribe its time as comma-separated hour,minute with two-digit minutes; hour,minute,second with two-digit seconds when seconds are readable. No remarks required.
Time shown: 9,10,48
